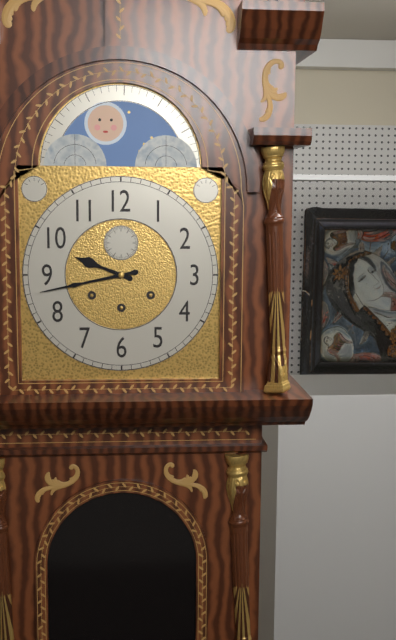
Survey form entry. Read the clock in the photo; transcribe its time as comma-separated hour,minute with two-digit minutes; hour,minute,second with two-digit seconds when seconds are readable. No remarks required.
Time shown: 9,43
